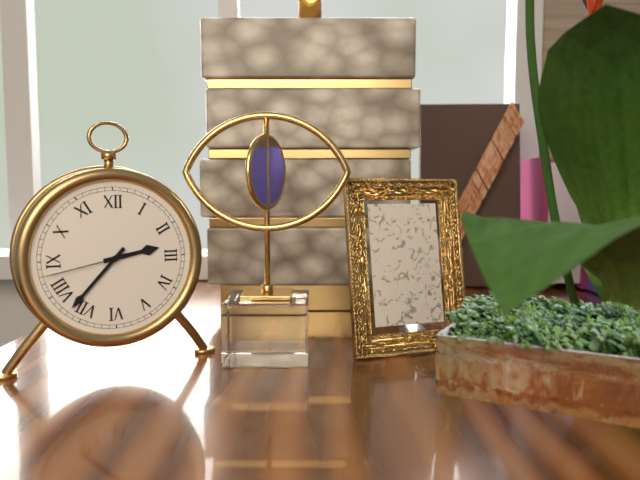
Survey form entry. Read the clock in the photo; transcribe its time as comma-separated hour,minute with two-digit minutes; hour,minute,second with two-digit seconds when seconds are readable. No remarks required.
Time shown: 2,37,43
